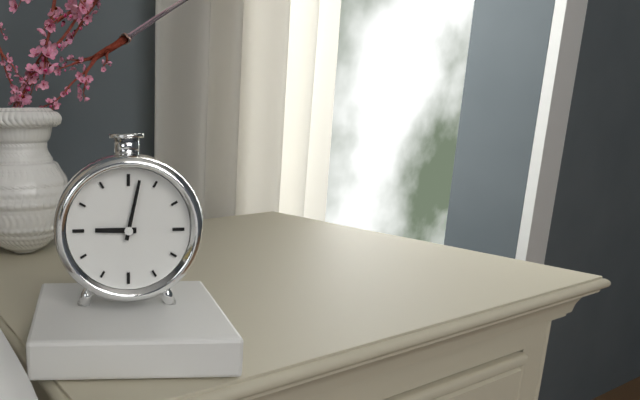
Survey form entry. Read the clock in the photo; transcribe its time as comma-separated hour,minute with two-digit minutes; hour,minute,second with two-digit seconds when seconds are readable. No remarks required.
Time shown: 9,02
